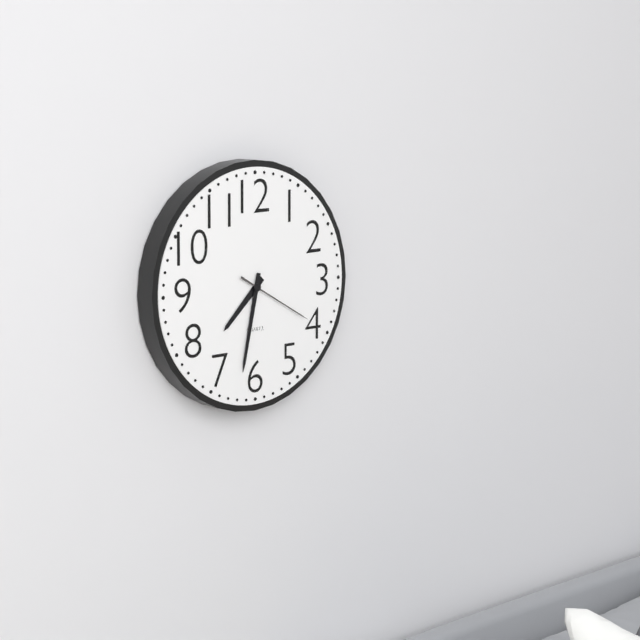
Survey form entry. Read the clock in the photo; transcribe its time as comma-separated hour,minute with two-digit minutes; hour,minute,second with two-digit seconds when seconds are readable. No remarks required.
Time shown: 7,32,20
